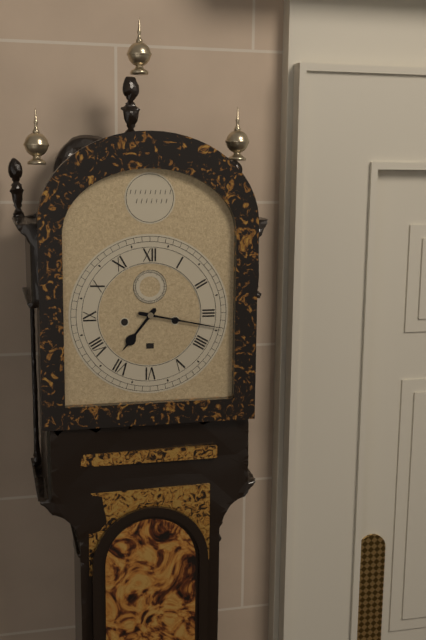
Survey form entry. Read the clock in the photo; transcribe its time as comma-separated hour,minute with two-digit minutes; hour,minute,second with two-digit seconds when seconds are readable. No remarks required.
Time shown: 7,17
